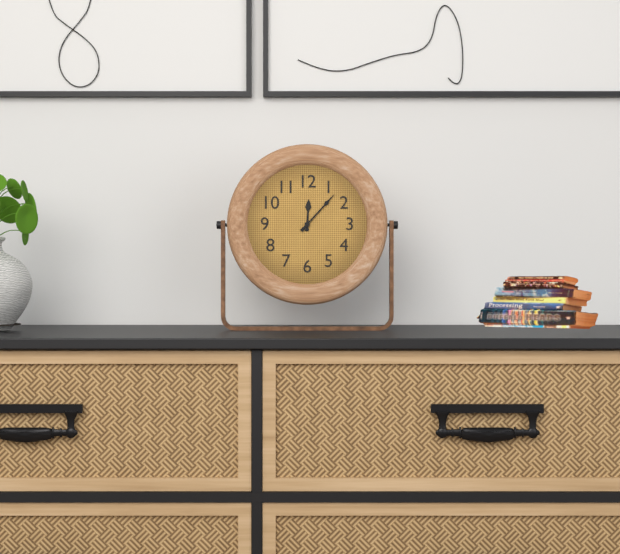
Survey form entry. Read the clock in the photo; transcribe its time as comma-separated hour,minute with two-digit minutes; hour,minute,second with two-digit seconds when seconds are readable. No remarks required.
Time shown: 12,07
